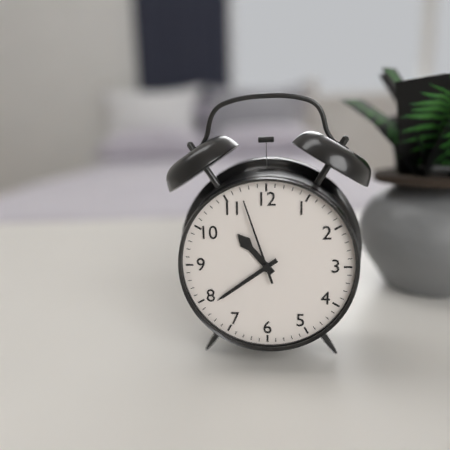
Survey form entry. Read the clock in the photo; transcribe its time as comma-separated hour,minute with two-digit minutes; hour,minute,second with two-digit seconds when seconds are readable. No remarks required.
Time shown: 10,39,57
